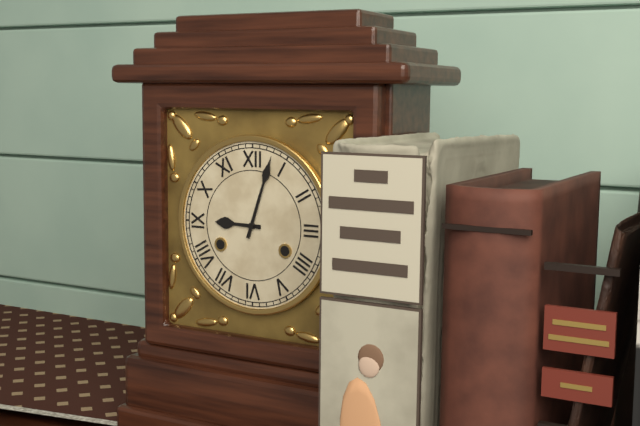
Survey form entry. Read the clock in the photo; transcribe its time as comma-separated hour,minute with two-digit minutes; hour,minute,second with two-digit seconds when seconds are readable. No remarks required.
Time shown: 9,03
